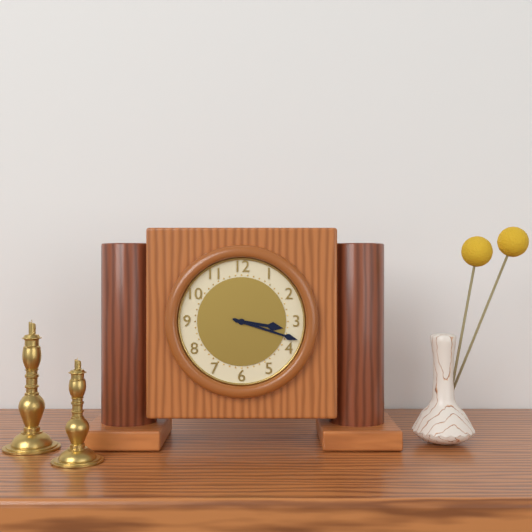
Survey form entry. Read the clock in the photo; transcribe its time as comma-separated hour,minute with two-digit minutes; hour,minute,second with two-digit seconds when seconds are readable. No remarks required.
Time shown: 3,18
